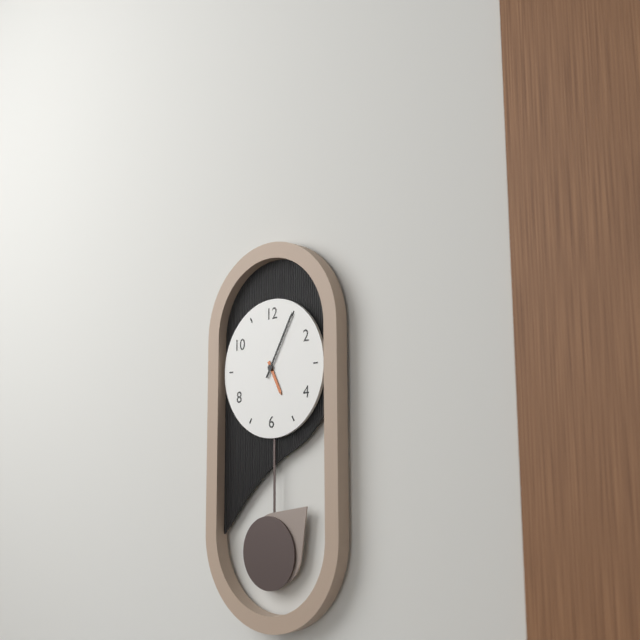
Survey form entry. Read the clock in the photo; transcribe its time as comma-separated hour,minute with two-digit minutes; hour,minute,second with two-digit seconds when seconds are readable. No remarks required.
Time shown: 5,05
